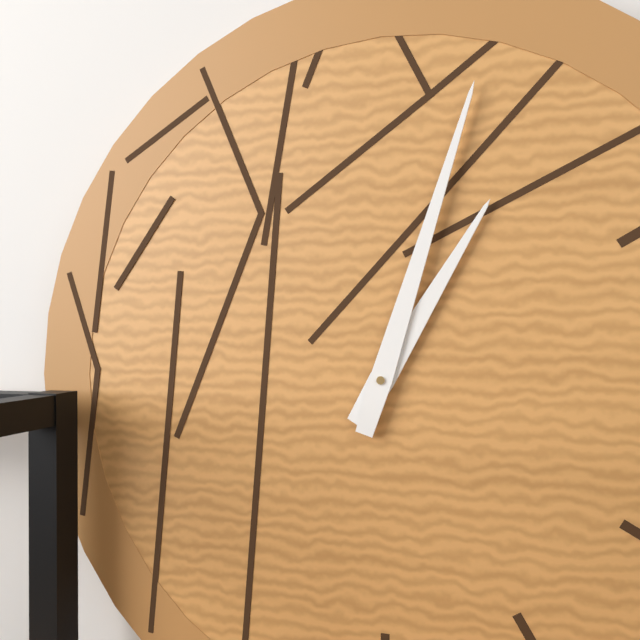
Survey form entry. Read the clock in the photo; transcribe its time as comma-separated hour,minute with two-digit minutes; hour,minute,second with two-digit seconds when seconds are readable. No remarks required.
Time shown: 1,03
